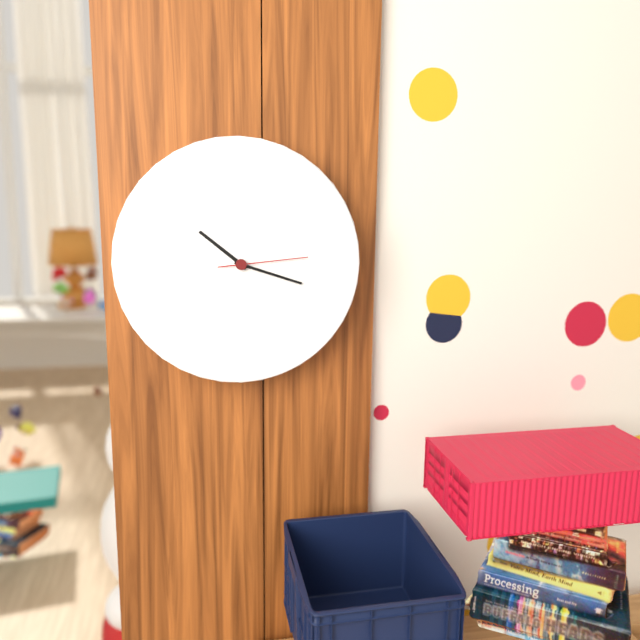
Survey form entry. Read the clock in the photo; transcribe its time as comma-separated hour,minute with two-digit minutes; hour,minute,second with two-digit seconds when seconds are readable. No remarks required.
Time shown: 10,18,14
